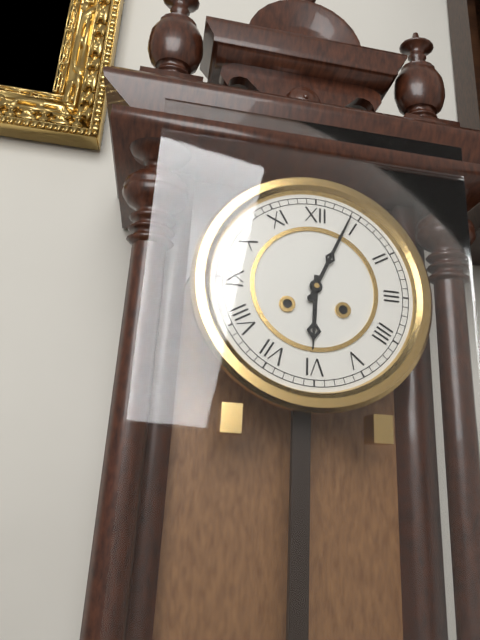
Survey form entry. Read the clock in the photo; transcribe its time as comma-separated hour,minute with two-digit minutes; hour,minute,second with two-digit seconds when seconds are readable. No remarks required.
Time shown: 6,04
